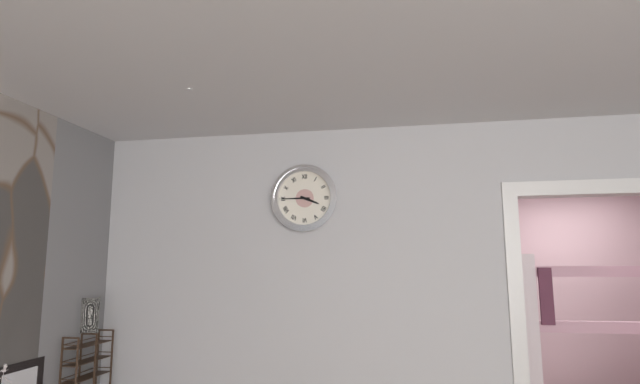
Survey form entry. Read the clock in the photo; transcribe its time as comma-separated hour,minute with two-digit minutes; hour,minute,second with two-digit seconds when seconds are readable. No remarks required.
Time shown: 3,45
